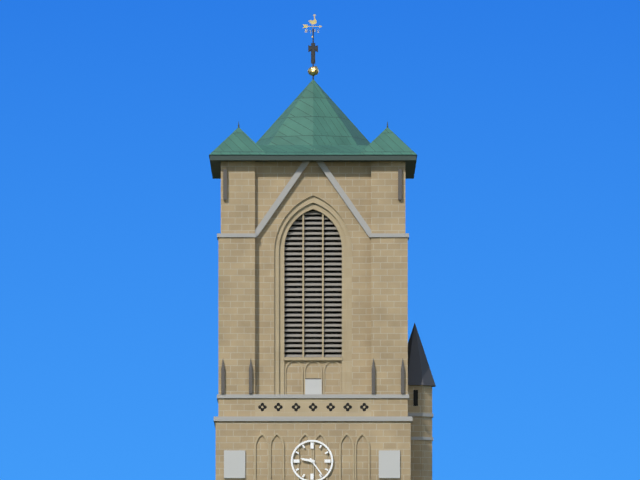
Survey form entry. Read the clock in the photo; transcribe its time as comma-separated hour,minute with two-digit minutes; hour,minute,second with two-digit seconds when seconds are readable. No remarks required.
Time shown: 9,24
